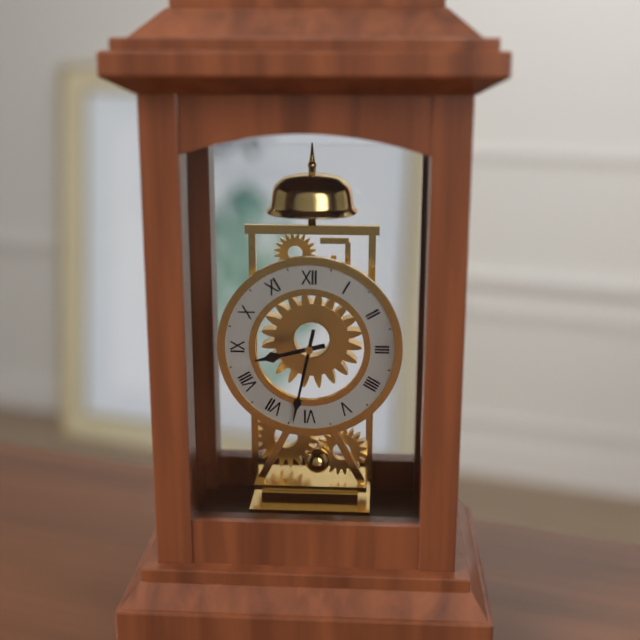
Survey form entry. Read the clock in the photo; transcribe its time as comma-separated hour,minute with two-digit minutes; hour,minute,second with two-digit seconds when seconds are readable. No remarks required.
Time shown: 8,32
